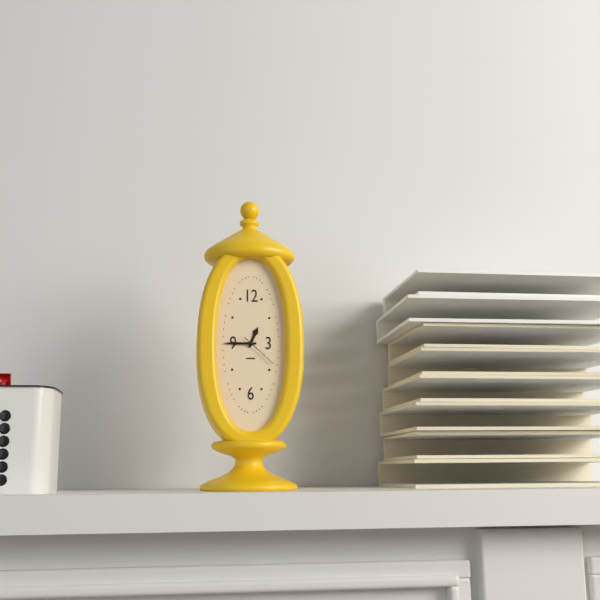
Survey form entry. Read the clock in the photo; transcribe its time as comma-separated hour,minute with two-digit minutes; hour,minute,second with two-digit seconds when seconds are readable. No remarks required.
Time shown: 12,45
